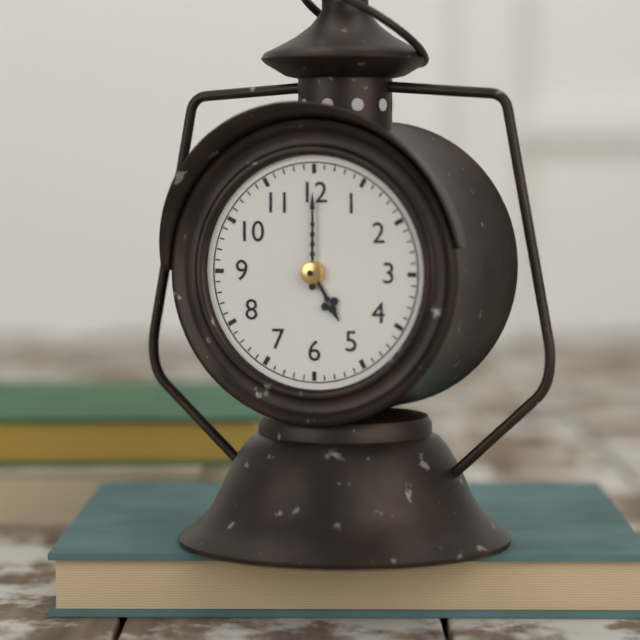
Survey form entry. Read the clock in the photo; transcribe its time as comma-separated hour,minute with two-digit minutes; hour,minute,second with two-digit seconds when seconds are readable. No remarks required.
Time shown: 5,00
